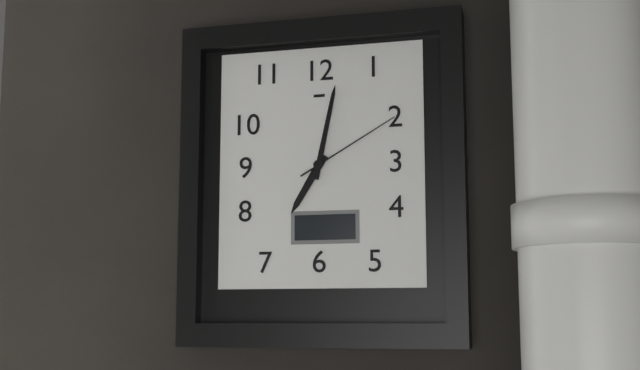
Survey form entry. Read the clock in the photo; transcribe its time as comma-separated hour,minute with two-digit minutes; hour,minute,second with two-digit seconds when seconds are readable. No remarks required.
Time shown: 7,02,10
